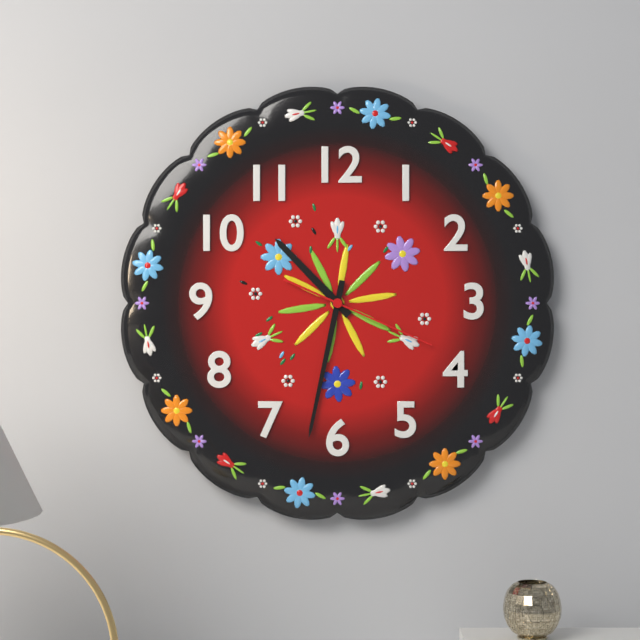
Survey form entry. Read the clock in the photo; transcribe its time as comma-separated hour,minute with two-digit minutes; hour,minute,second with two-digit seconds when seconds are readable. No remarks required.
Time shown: 10,32,19
